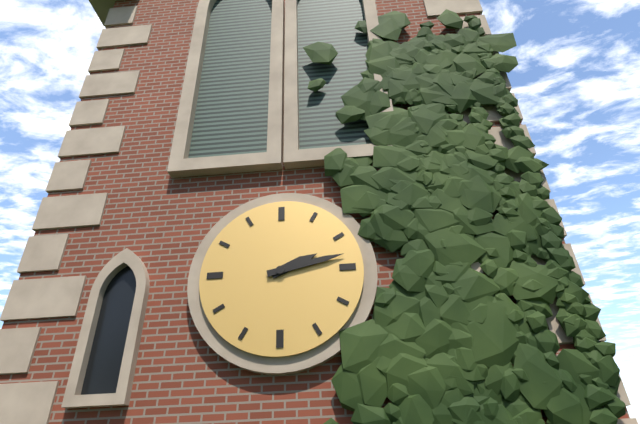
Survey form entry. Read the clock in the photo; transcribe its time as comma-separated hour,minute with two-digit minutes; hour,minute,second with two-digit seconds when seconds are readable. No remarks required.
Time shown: 2,13
